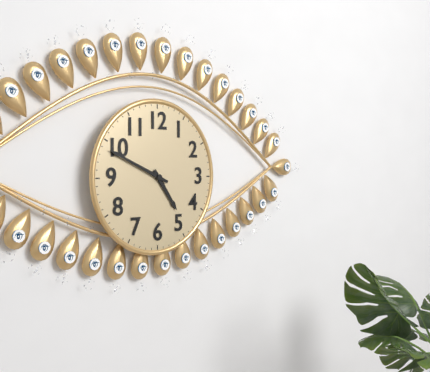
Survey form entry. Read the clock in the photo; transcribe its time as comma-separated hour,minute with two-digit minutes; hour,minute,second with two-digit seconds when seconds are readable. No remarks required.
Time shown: 4,49
